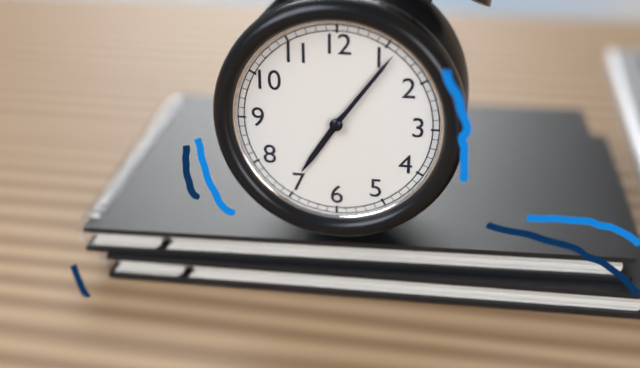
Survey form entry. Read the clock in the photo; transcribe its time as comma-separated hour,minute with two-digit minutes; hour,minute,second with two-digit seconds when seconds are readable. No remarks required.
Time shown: 7,06
